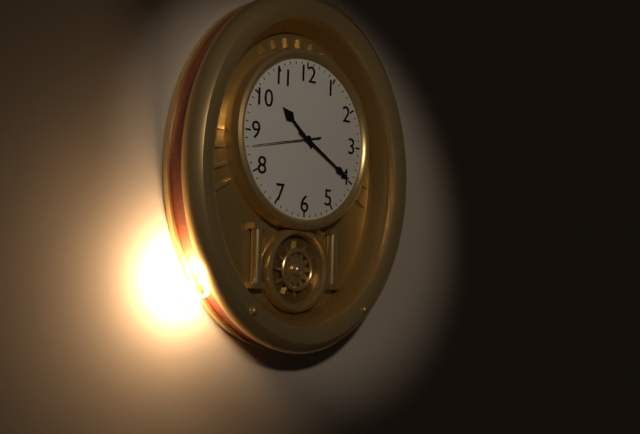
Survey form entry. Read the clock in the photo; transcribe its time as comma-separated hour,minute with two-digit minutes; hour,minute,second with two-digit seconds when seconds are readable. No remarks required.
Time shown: 10,20,43
